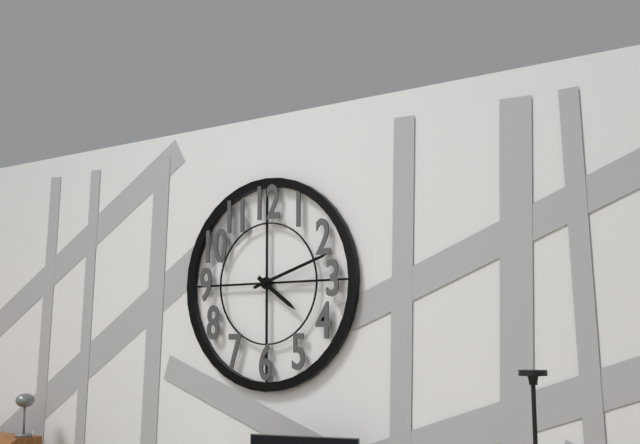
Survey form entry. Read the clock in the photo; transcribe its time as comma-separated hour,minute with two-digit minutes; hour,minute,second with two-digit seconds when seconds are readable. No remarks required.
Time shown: 4,12
